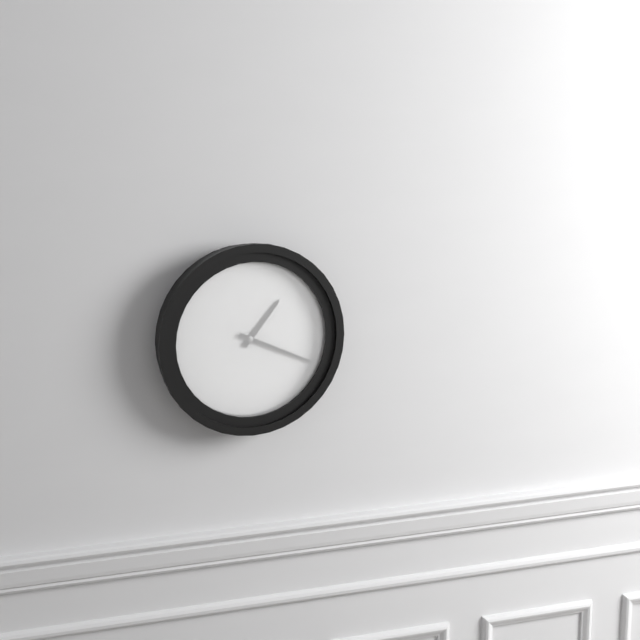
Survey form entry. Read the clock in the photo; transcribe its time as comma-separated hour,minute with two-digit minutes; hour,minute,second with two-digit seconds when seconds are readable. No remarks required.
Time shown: 1,19
